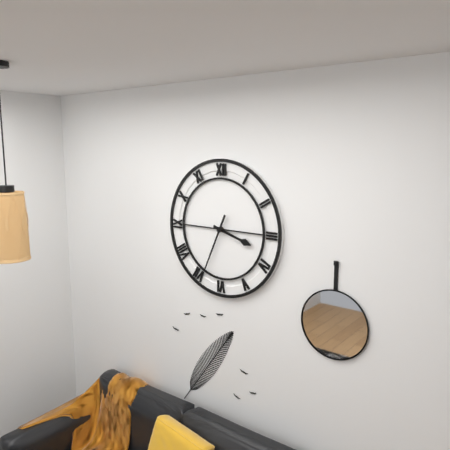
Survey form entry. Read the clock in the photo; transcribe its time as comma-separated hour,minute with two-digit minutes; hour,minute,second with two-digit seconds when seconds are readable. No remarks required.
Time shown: 3,34
